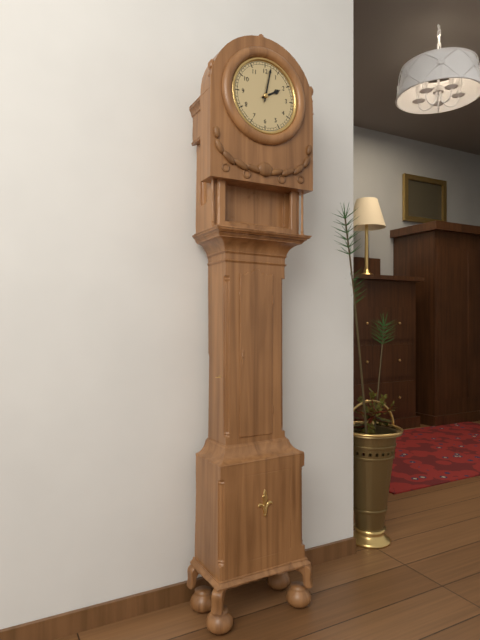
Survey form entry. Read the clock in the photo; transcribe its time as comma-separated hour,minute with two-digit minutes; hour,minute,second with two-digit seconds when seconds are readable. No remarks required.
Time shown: 2,02
